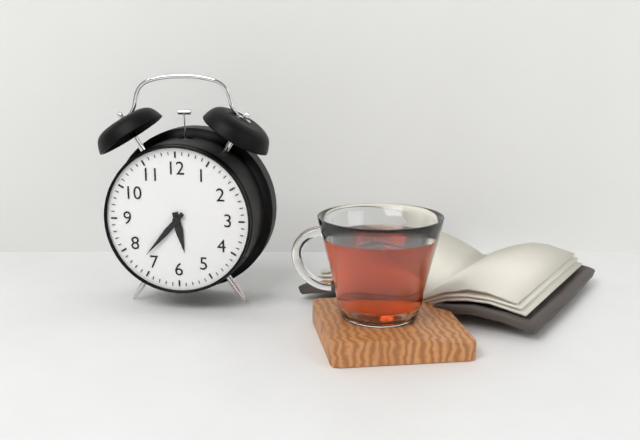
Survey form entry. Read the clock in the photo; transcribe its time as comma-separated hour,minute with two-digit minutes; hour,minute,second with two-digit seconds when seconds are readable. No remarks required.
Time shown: 5,37
